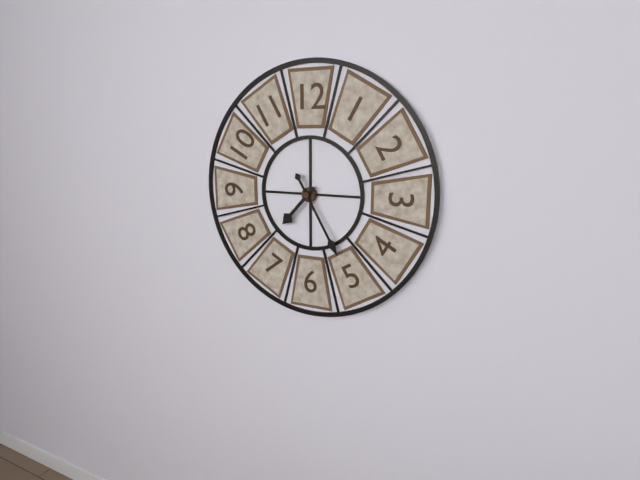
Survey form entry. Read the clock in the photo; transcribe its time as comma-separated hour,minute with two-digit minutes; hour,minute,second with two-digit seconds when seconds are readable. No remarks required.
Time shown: 7,25
